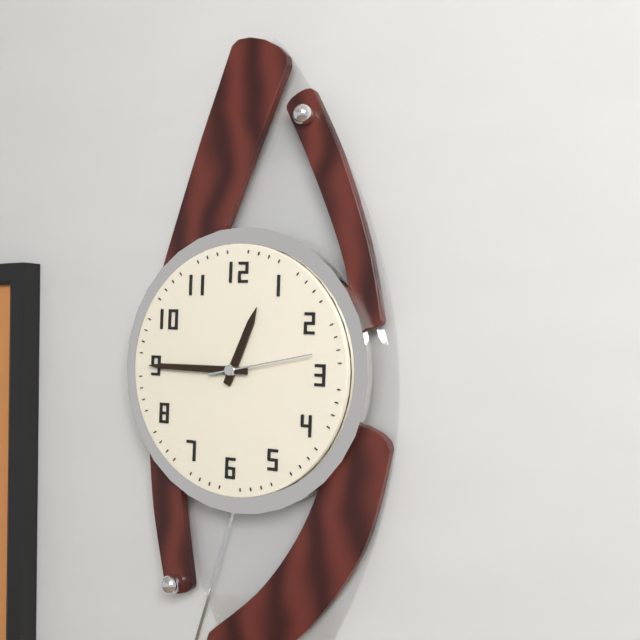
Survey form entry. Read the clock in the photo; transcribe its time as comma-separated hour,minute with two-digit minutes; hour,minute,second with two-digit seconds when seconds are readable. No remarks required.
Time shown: 12,45,13
